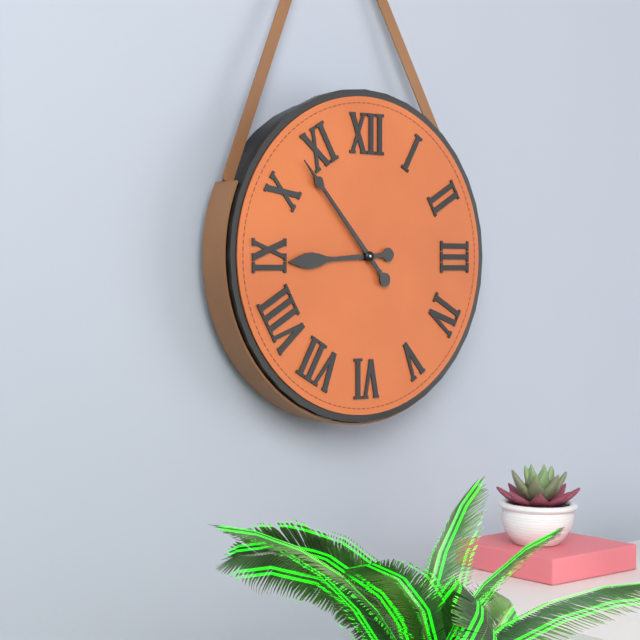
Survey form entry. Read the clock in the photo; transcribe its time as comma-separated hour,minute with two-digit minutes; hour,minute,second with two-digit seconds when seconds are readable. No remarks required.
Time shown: 8,53
